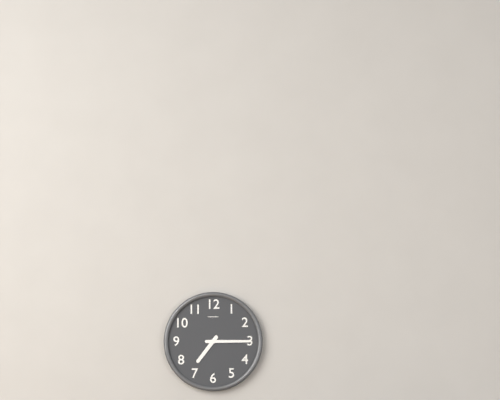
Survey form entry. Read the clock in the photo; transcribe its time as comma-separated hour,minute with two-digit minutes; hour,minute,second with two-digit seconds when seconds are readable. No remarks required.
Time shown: 7,15
